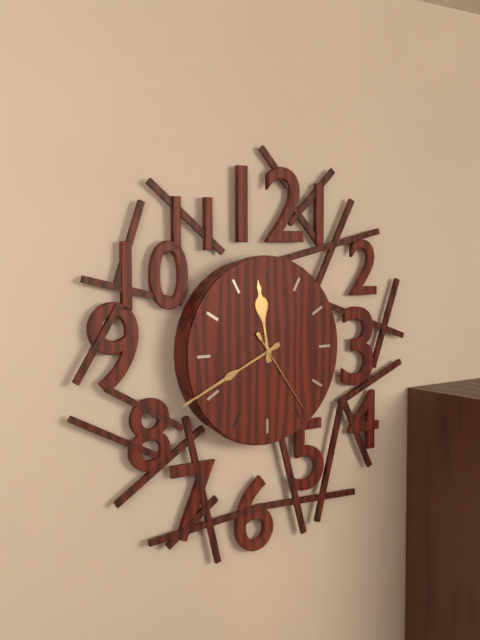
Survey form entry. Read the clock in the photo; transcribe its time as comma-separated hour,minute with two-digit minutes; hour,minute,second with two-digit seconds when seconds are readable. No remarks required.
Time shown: 11,41,24
